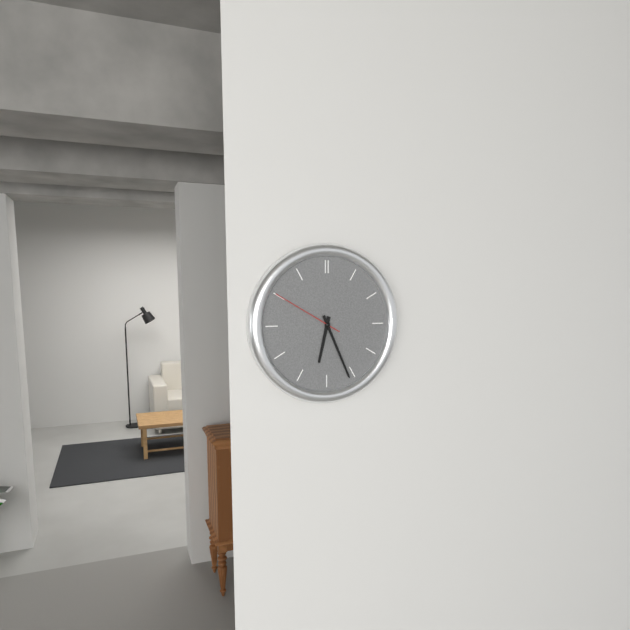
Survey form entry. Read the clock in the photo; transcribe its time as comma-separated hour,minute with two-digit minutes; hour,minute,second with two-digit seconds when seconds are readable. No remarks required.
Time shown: 6,26,50
